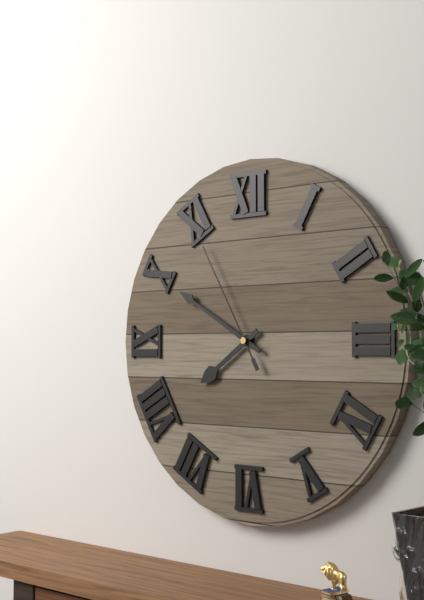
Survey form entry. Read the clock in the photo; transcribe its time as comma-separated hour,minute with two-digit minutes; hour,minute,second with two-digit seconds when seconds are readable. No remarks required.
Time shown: 7,50,55
